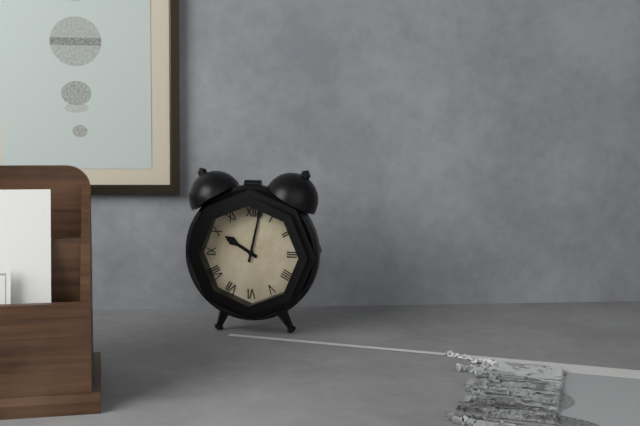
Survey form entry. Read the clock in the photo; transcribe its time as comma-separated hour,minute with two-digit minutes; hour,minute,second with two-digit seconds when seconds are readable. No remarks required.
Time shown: 10,02
